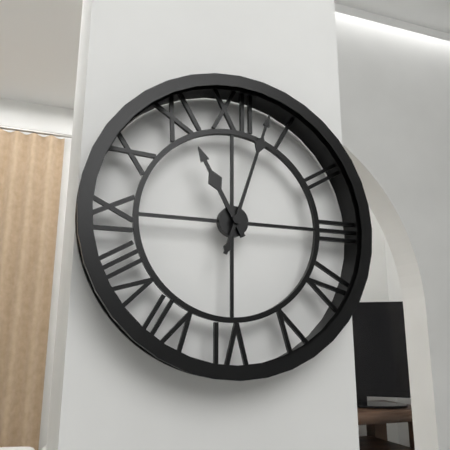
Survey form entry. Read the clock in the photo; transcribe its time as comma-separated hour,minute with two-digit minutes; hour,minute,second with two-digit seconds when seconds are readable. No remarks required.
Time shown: 11,03
